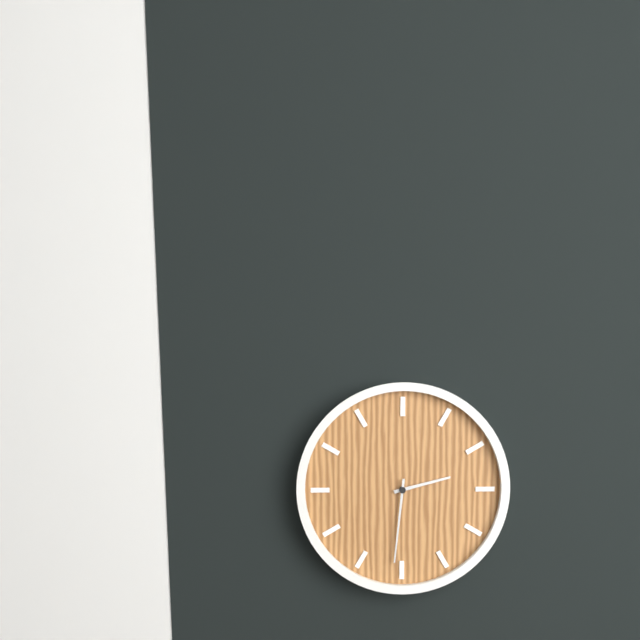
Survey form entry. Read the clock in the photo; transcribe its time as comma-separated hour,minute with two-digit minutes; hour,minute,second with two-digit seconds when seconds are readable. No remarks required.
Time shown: 2,31
